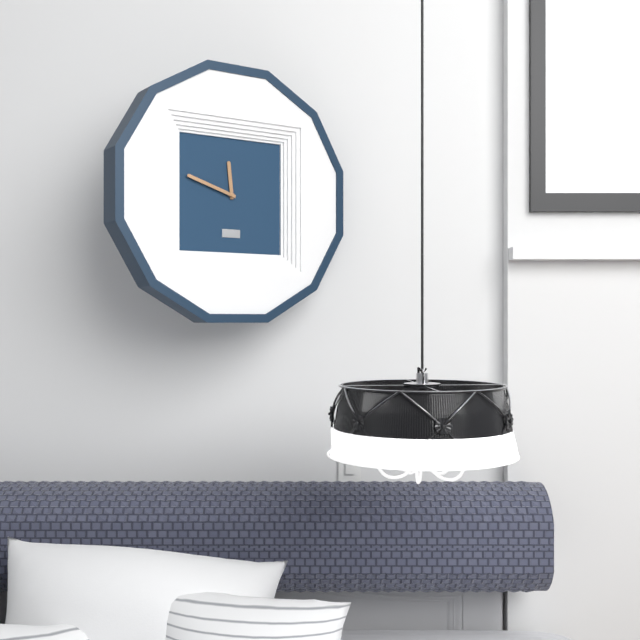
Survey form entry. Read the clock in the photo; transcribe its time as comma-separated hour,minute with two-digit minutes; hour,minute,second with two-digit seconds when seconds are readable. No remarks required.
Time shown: 11,48
